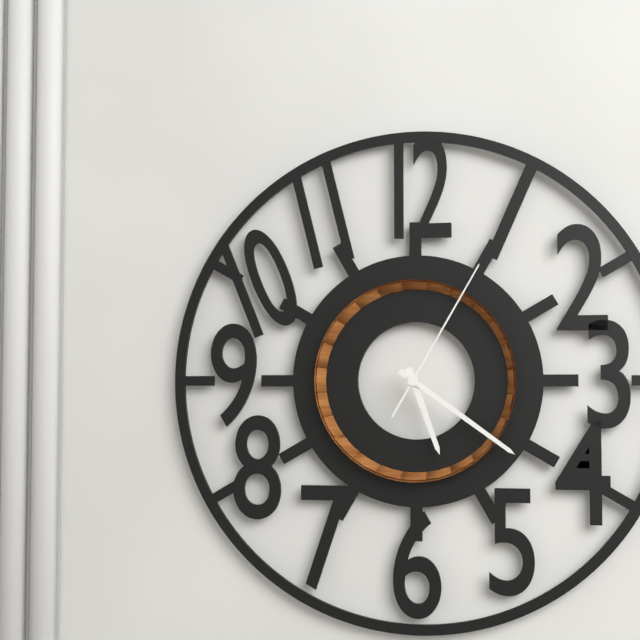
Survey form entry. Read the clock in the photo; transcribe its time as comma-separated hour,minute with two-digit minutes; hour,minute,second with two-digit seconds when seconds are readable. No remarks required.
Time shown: 5,21,05
